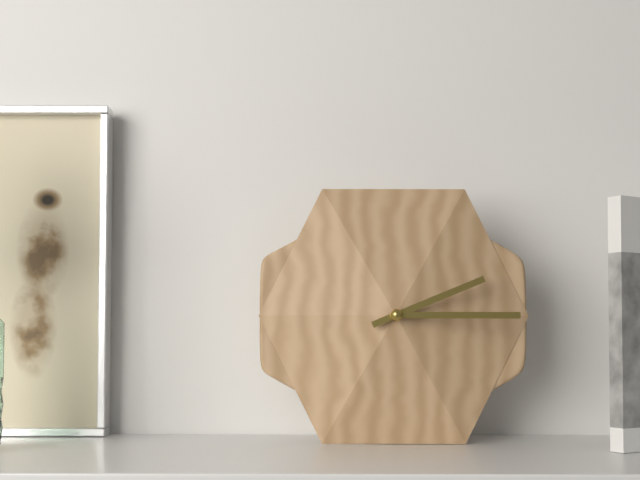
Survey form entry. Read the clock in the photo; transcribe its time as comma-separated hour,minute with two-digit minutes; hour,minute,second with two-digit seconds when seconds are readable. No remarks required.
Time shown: 2,15
